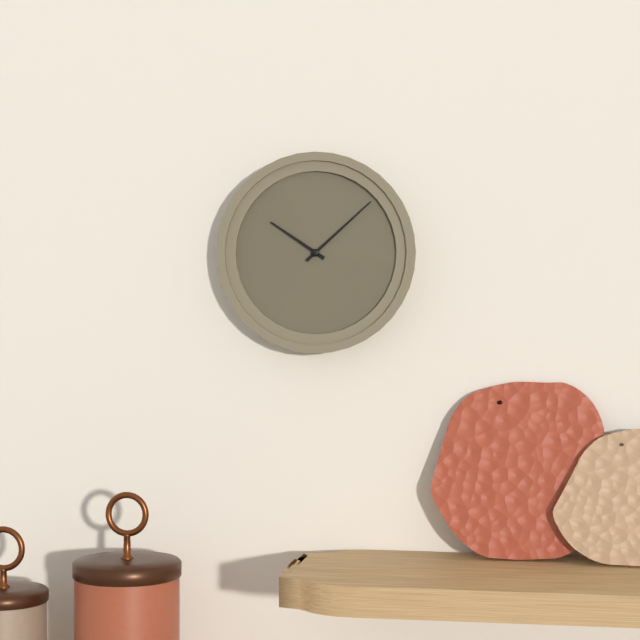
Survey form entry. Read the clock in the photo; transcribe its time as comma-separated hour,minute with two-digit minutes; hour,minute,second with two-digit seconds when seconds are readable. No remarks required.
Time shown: 10,08
